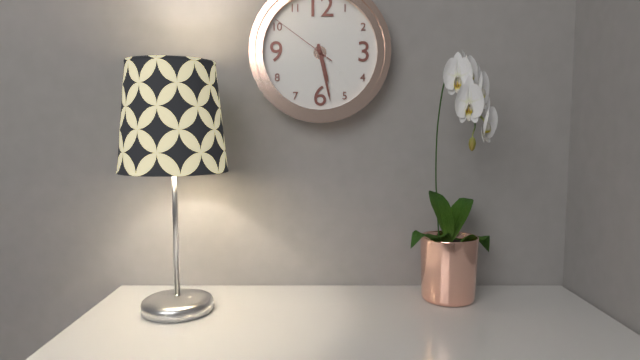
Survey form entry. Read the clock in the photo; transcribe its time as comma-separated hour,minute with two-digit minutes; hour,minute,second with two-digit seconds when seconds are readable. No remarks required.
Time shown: 5,28,51
